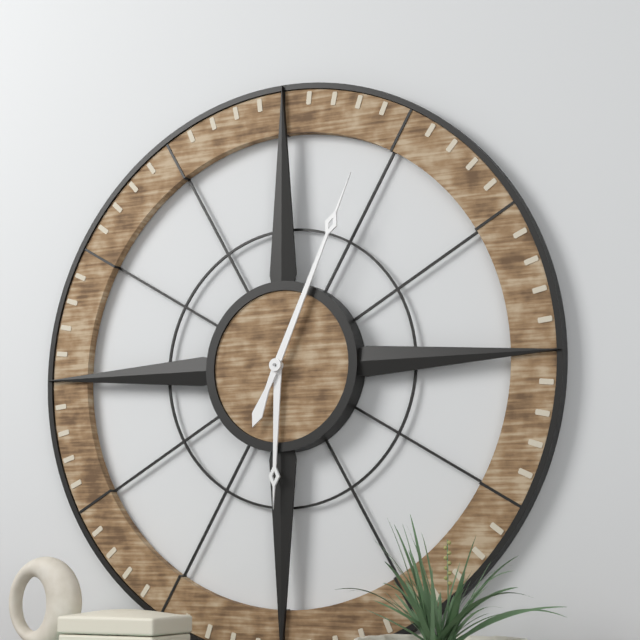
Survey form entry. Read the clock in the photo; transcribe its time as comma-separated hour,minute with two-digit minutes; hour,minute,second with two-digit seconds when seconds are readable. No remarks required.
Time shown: 6,04
